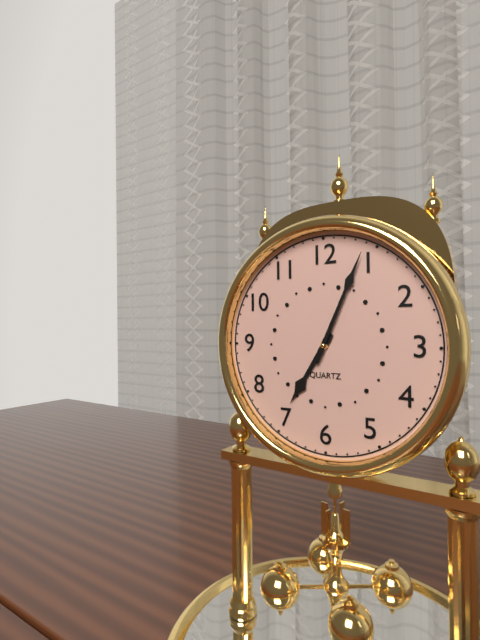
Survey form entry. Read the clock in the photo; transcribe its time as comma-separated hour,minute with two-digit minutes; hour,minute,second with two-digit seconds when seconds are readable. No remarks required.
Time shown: 7,04
